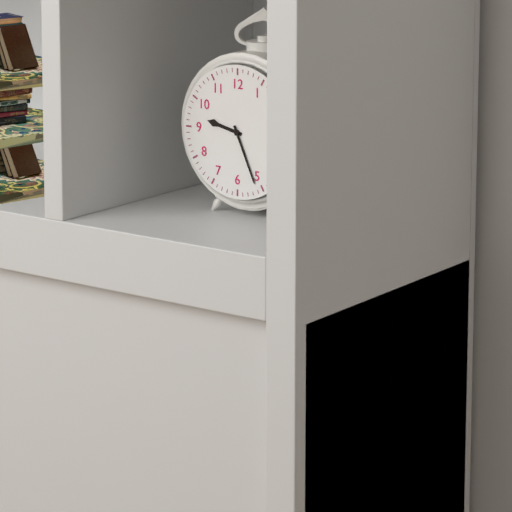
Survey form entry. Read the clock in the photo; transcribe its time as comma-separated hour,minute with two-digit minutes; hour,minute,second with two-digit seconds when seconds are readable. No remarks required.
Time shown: 9,26
